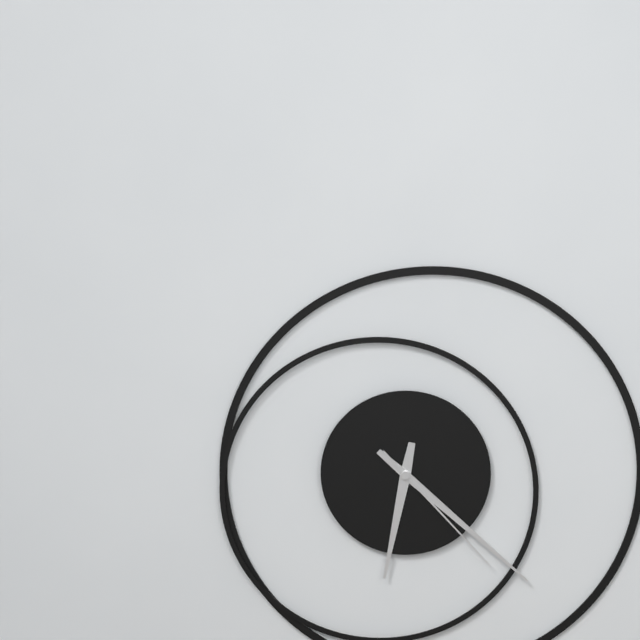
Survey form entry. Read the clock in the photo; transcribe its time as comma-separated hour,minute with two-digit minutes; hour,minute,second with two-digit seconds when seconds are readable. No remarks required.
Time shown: 6,22,23
